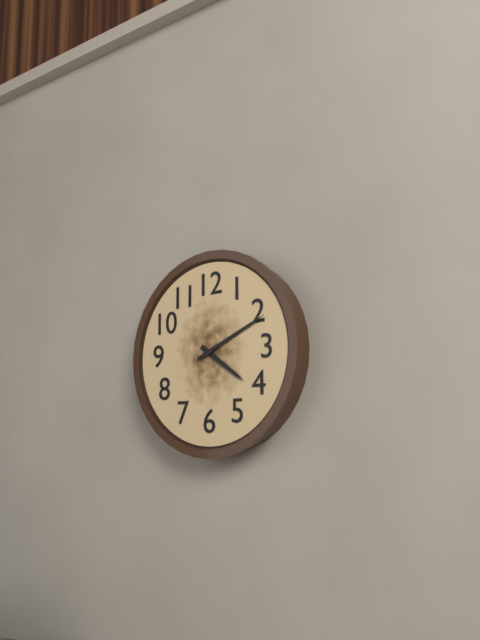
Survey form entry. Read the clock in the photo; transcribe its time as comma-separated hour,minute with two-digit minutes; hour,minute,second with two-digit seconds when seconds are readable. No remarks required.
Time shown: 4,11
